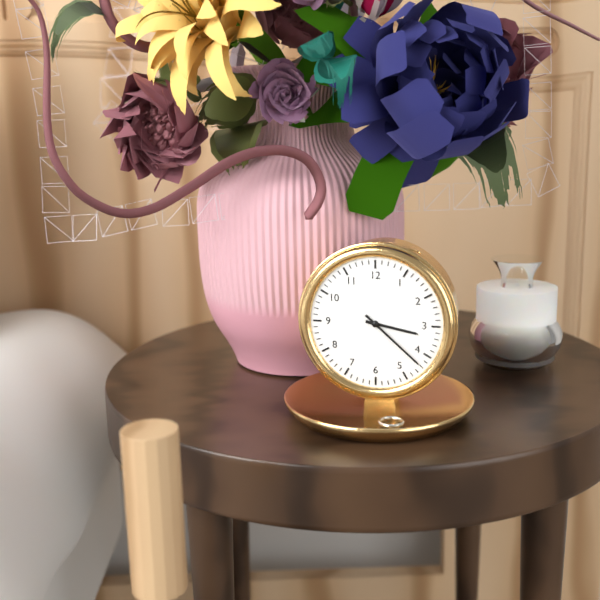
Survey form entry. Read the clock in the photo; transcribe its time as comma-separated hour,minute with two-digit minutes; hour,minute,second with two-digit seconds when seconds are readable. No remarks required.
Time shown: 3,22
